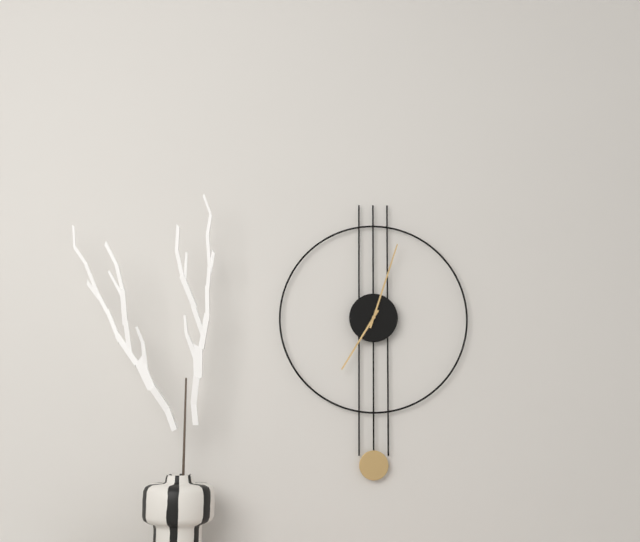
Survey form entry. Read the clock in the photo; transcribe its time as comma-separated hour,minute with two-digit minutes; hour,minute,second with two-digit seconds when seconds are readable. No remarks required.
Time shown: 7,03
